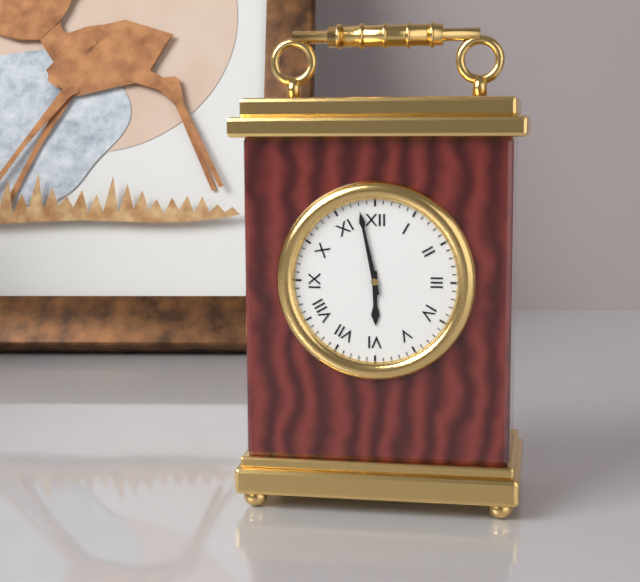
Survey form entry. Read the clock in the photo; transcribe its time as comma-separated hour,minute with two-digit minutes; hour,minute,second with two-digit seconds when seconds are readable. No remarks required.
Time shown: 5,58
